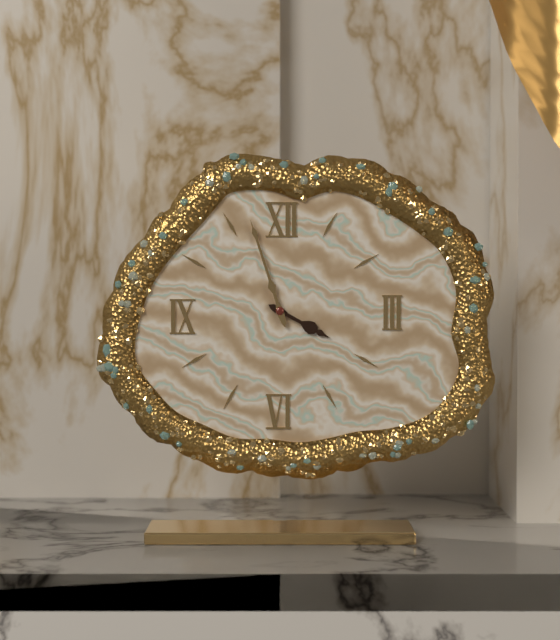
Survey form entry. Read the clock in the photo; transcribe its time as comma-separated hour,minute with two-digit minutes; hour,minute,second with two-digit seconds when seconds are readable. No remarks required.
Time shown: 3,57
